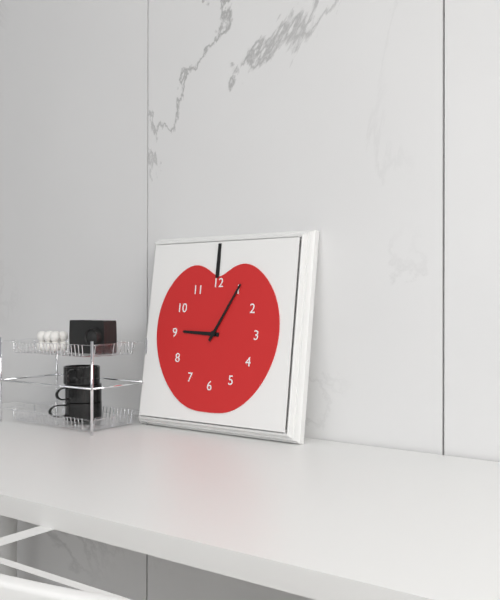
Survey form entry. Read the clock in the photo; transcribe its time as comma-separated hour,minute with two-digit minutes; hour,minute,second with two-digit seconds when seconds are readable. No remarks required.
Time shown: 9,05
